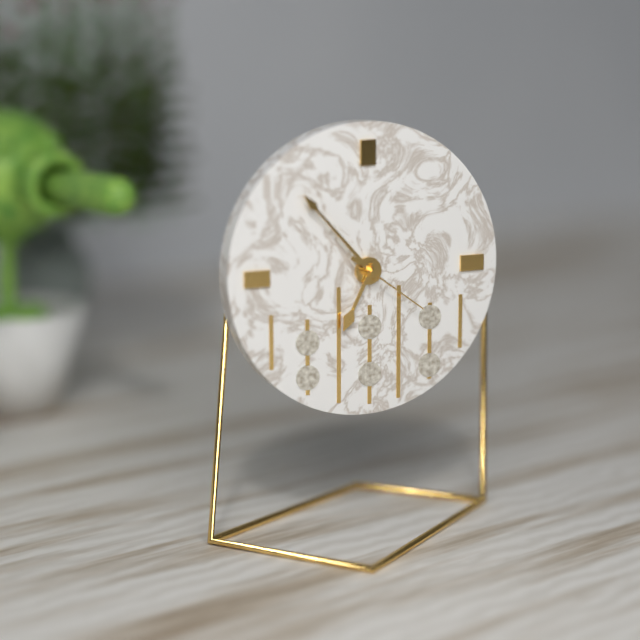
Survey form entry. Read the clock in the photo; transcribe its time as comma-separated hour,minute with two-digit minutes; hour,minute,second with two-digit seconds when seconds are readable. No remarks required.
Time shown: 6,53,21
